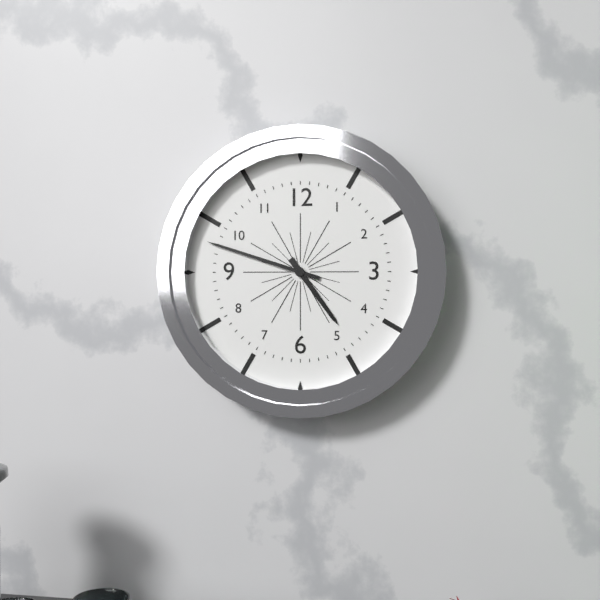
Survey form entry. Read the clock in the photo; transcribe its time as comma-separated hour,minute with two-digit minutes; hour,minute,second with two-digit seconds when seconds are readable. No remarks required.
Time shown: 4,48
